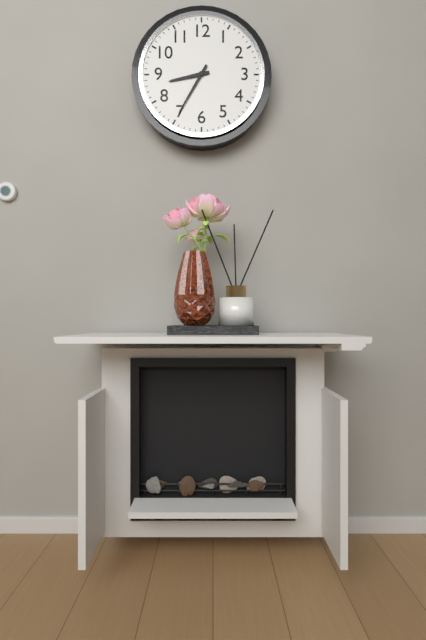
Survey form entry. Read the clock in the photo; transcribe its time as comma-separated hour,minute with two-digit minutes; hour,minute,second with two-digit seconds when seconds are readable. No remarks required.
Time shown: 8,35
